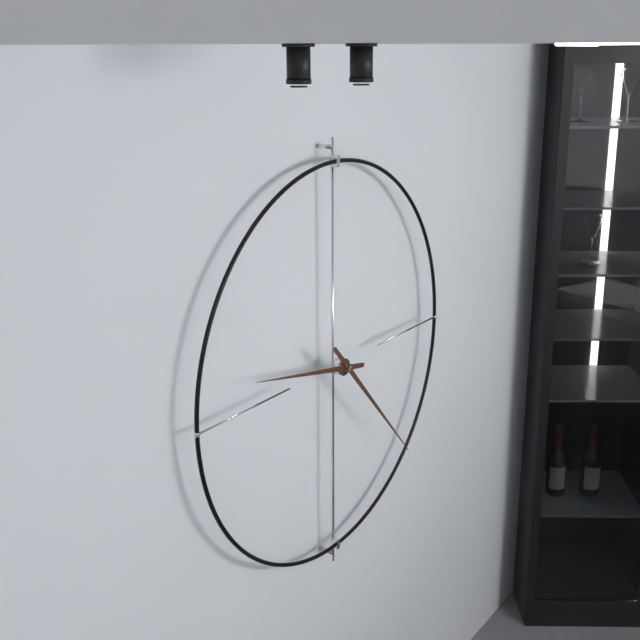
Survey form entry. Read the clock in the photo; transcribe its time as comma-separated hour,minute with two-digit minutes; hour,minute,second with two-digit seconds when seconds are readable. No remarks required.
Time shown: 9,23
